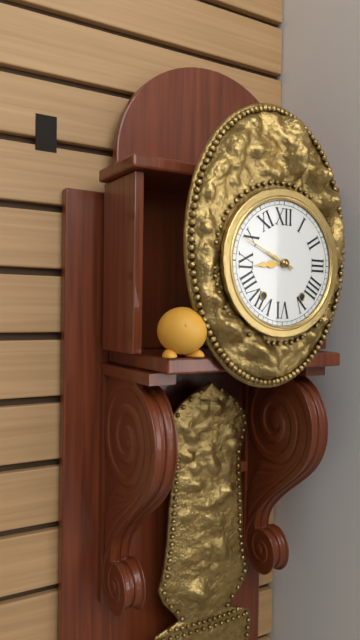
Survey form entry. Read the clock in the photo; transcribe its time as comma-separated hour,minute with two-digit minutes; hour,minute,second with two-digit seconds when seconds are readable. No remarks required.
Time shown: 8,49
